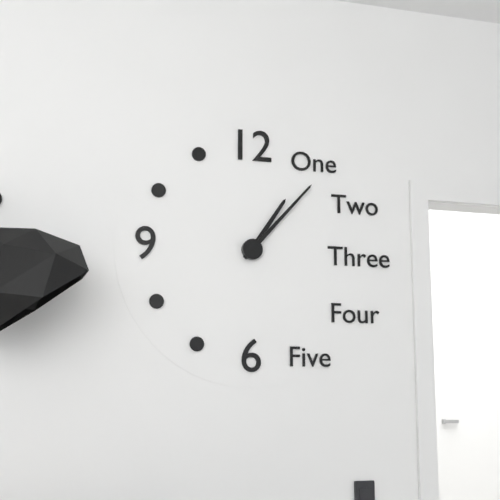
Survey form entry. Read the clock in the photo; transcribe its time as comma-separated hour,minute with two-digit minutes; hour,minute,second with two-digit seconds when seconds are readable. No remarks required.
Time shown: 1,07
